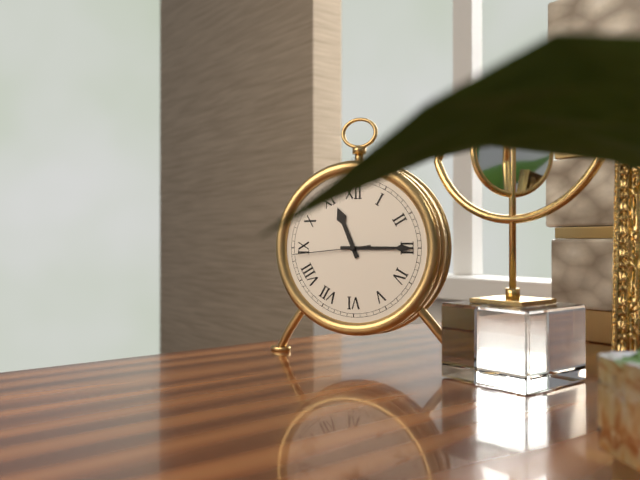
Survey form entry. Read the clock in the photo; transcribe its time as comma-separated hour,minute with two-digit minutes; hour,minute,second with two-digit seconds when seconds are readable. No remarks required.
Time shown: 11,15,44
